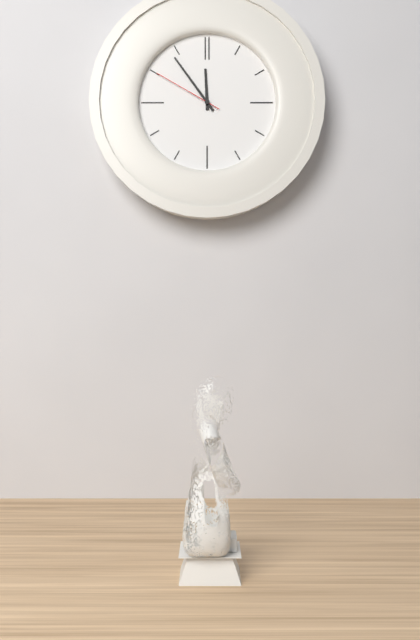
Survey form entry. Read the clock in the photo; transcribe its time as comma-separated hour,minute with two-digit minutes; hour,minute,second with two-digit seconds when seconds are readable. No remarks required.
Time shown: 11,54,50
